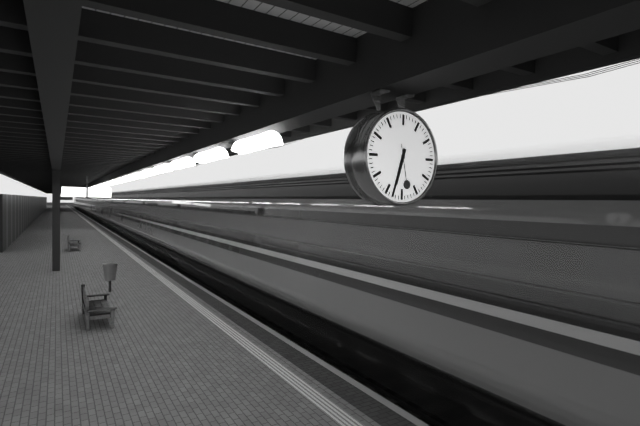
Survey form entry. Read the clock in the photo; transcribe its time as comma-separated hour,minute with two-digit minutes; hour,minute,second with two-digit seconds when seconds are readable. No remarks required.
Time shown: 6,33
